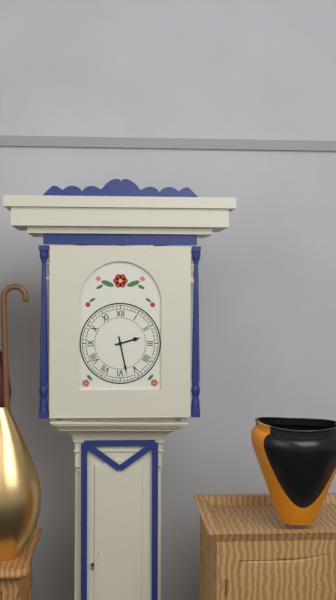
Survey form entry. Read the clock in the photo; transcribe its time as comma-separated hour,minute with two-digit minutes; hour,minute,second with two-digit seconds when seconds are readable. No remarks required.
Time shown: 2,28
